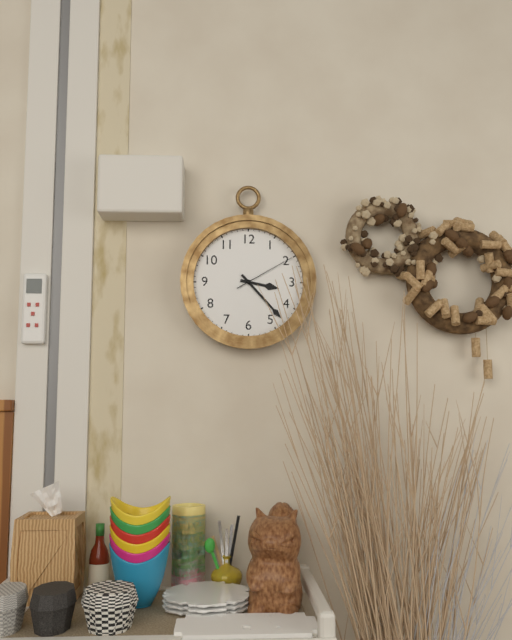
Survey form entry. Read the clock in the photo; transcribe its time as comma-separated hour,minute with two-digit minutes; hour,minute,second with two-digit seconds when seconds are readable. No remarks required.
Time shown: 3,23,10
